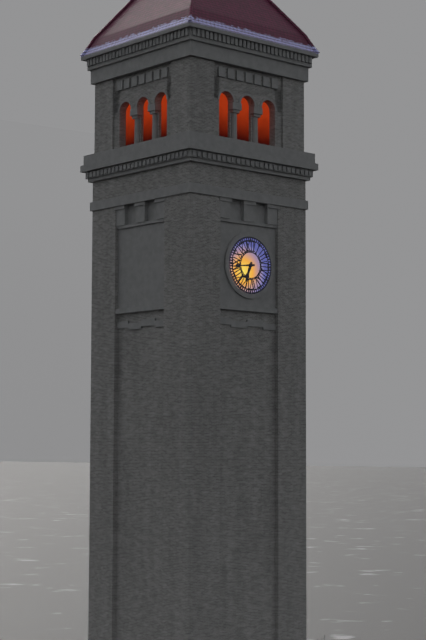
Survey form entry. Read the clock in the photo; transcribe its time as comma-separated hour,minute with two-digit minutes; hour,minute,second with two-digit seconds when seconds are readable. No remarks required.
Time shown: 6,44
